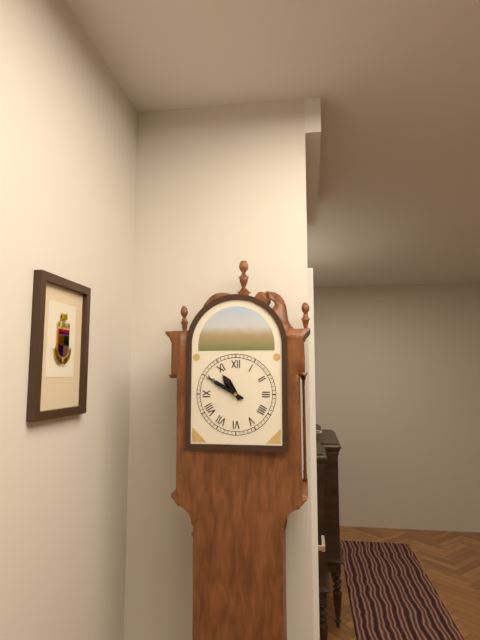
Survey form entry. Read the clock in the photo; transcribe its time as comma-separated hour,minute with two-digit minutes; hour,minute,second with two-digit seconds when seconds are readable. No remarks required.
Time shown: 10,50
